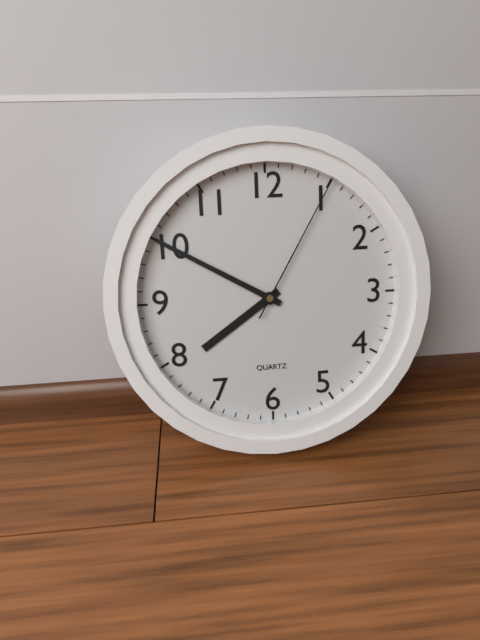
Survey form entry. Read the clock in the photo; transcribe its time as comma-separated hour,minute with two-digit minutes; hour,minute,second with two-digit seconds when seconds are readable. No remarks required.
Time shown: 7,50,05
